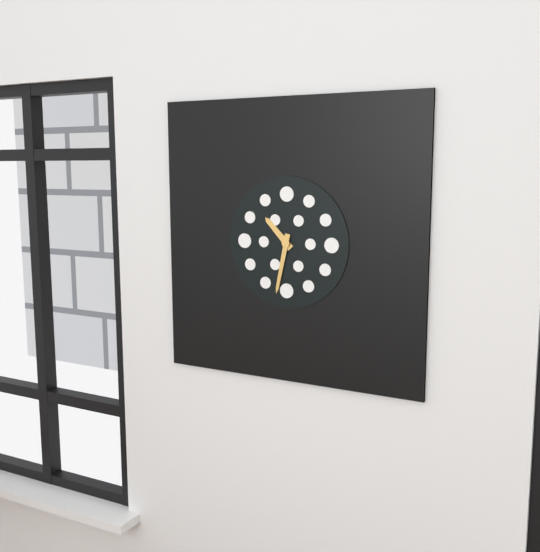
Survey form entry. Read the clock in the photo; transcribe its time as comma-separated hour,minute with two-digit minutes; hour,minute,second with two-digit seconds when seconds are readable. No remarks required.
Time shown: 10,32
